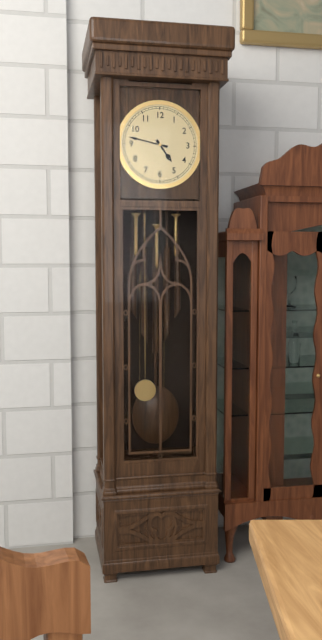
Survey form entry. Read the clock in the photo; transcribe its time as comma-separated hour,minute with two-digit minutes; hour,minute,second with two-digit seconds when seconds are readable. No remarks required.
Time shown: 4,47
